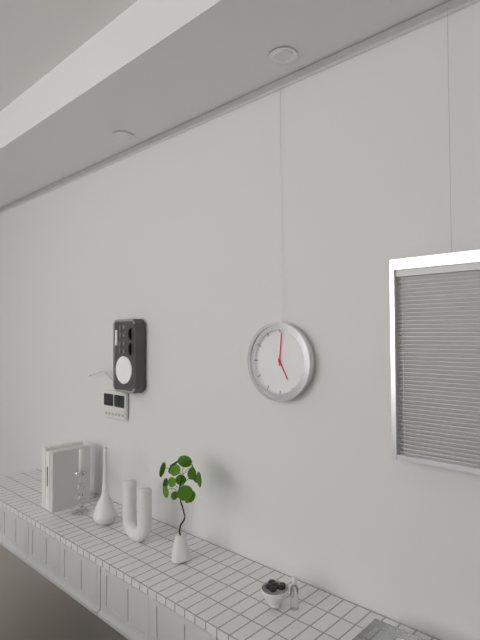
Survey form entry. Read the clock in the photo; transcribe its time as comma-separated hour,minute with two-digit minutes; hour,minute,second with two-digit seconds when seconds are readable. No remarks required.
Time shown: 5,01
